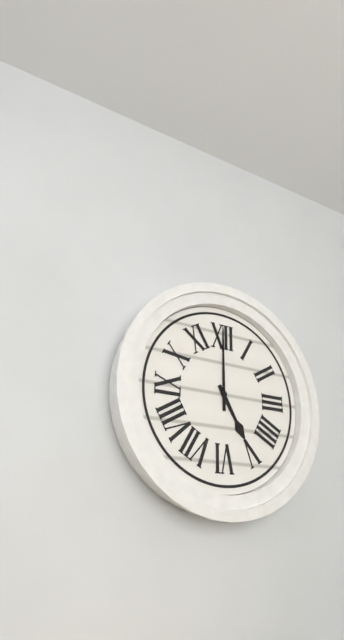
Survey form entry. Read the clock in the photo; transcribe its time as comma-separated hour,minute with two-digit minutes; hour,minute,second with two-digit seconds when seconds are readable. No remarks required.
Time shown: 5,00
